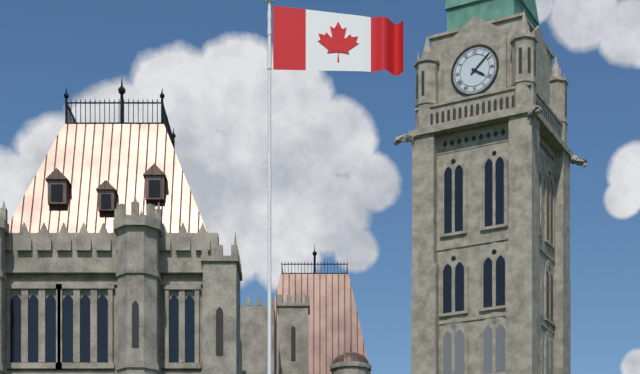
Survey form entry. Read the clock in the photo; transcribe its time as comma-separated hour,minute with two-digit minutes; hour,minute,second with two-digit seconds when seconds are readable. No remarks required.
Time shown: 4,08
